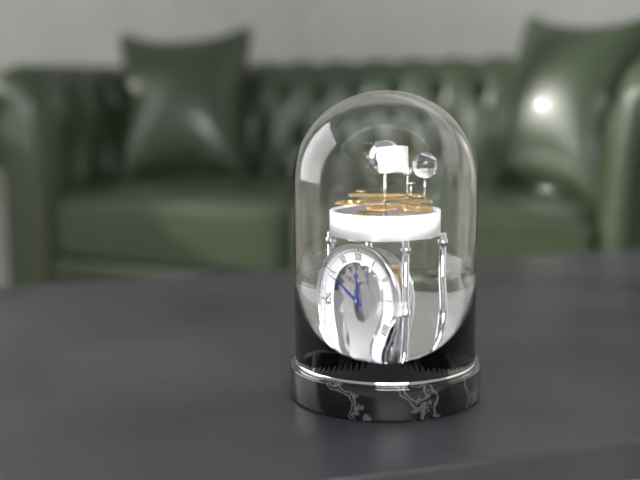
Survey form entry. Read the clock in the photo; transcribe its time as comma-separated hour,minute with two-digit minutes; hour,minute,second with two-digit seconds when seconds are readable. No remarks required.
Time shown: 11,49
